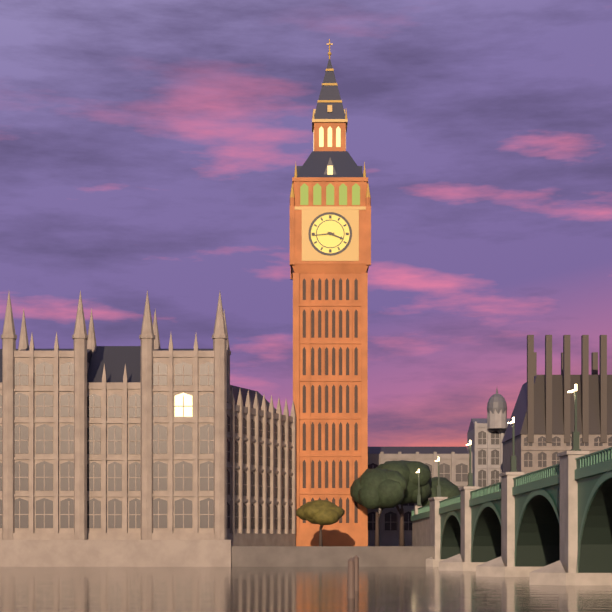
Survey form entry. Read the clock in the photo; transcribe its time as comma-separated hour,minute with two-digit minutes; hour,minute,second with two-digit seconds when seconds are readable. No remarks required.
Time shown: 3,44
